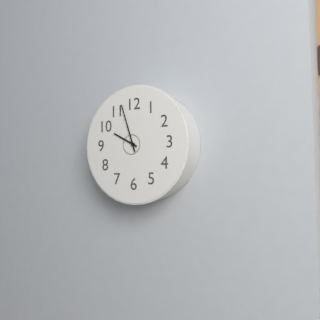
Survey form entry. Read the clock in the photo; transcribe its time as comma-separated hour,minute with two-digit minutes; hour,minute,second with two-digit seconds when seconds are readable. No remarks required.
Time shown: 9,57
